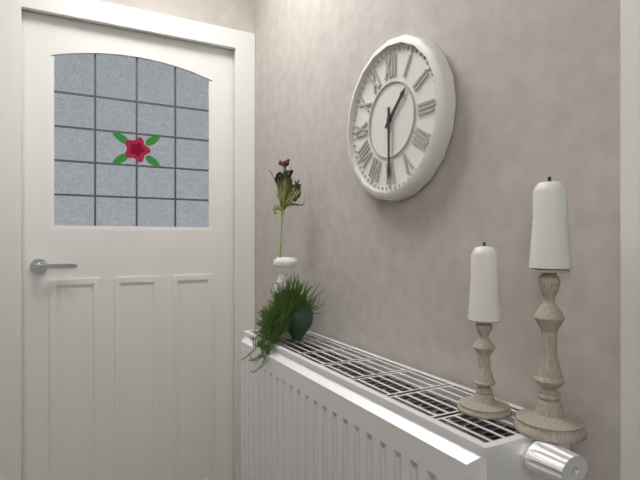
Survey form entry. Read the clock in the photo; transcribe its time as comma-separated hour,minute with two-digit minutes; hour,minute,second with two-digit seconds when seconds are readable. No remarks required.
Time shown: 1,30
